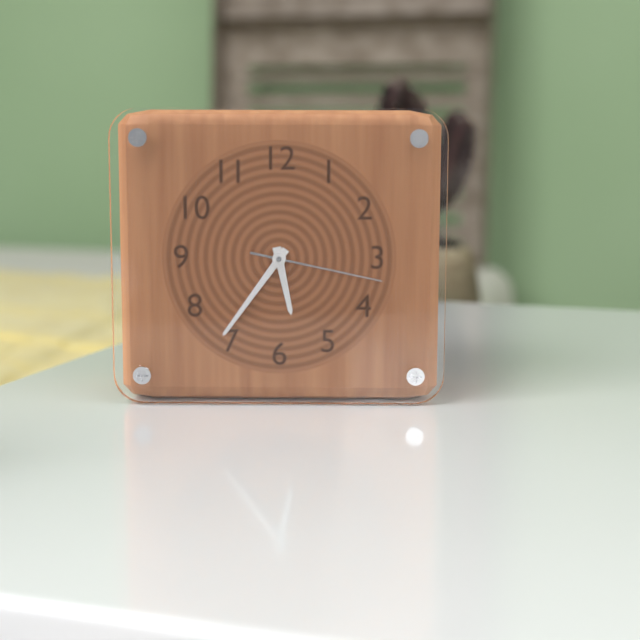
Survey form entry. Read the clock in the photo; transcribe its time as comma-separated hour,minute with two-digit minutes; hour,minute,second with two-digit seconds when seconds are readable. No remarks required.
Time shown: 5,36,17
